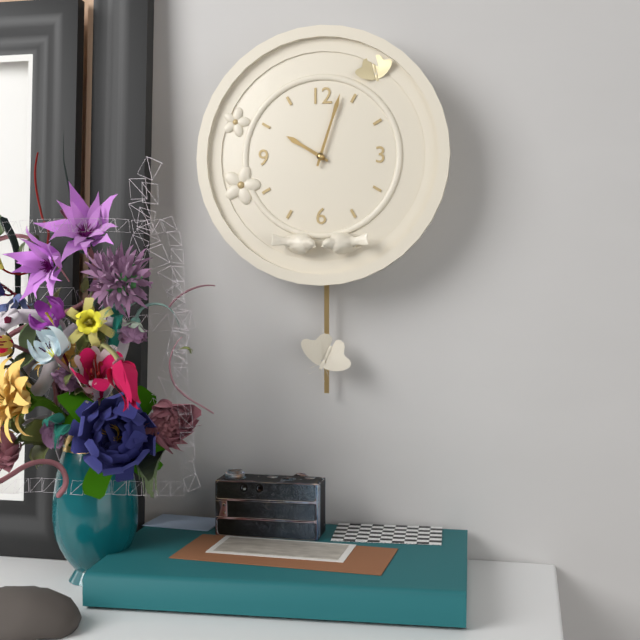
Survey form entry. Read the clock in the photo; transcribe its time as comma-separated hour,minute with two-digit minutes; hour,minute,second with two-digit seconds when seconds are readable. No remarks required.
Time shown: 10,03
